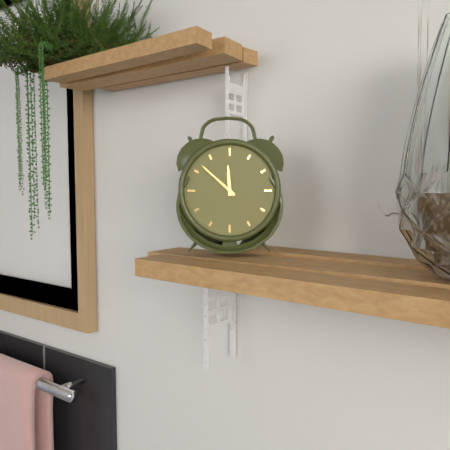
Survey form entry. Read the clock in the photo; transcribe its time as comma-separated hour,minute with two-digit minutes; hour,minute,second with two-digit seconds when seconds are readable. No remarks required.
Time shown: 11,52
